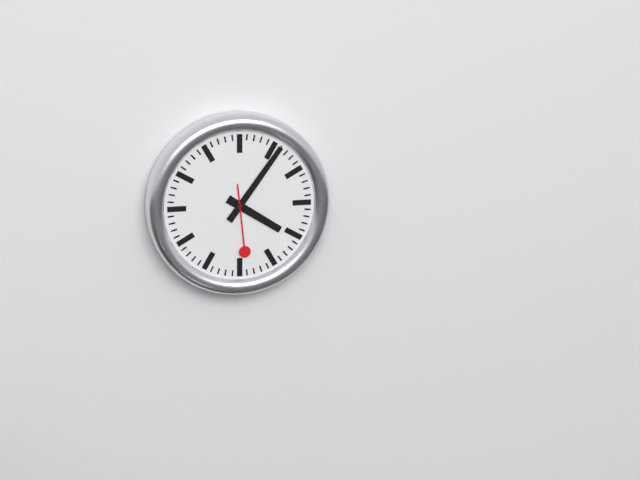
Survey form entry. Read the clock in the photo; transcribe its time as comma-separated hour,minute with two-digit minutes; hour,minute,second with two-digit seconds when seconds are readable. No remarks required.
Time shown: 4,06,29
